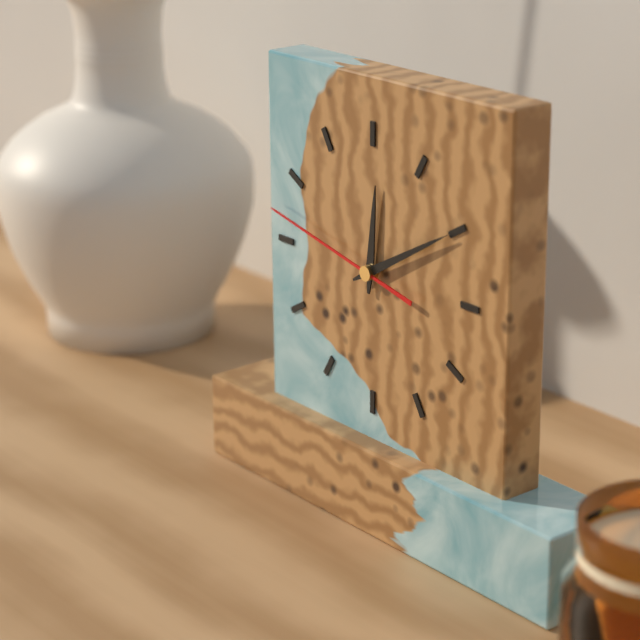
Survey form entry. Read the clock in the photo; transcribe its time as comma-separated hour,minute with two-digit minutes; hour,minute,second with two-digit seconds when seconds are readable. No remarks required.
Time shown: 12,10,47
